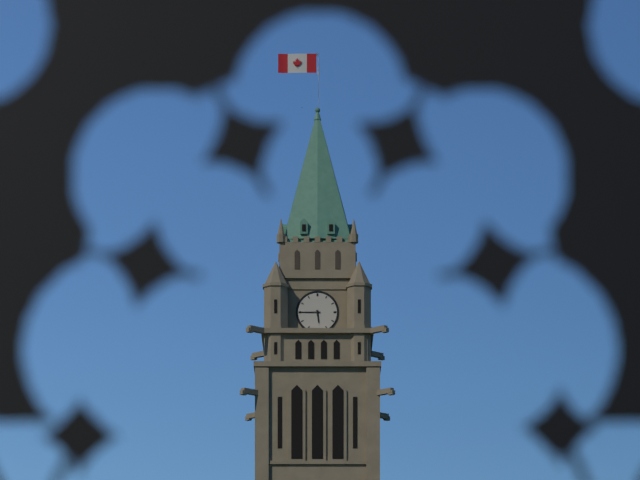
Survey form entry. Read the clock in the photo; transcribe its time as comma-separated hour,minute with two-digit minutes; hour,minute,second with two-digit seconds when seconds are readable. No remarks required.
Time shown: 5,45
